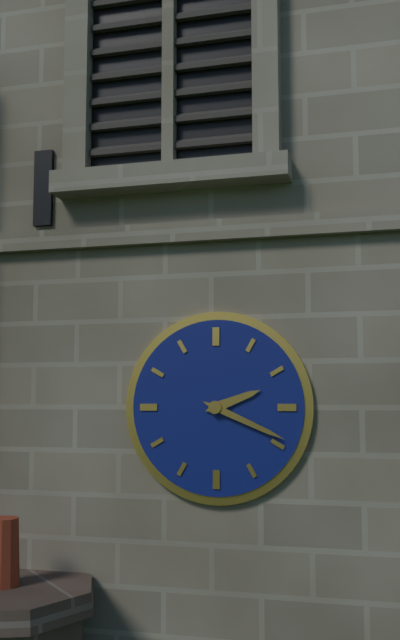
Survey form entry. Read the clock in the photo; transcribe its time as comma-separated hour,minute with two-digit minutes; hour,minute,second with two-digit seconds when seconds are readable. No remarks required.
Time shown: 2,19
